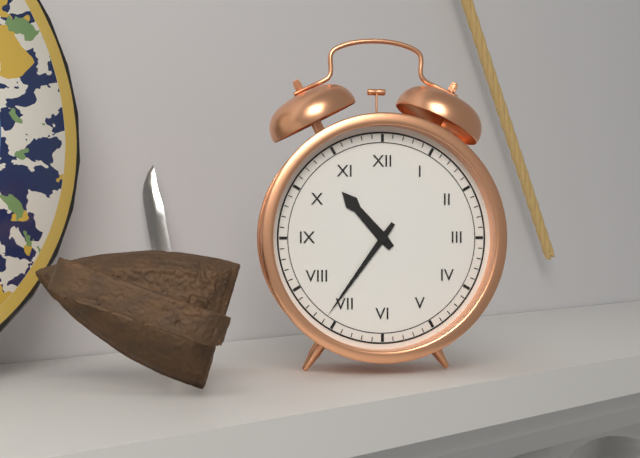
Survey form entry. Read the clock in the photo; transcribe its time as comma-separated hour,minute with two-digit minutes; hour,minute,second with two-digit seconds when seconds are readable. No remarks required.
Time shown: 10,36
